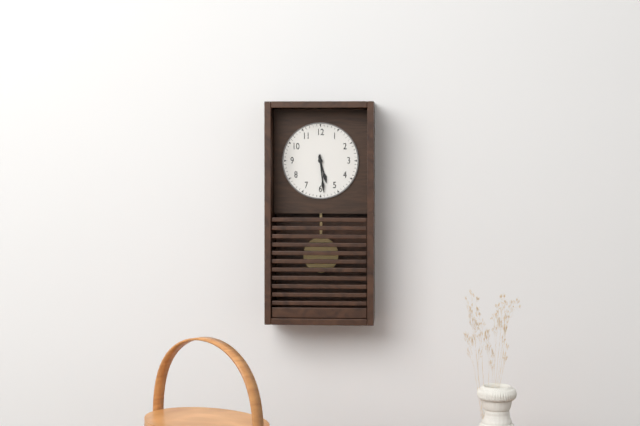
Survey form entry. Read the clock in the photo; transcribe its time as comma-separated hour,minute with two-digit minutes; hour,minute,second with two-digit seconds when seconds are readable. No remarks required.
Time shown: 5,29
